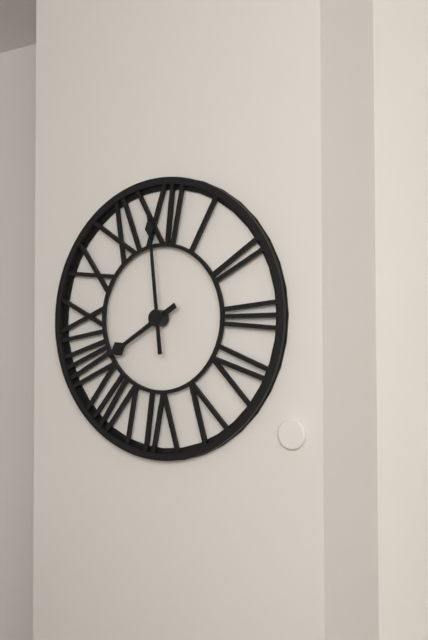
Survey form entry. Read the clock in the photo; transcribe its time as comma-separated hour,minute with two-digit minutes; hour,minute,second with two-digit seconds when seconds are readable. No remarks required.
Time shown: 7,59
